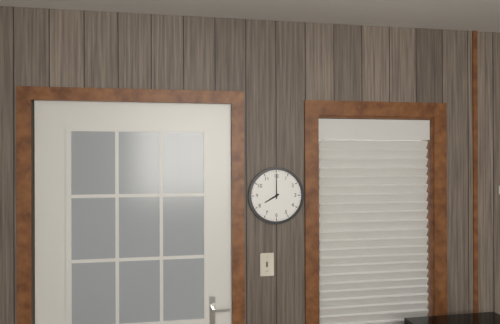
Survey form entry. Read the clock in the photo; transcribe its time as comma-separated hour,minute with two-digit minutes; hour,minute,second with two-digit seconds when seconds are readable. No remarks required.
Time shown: 8,00
